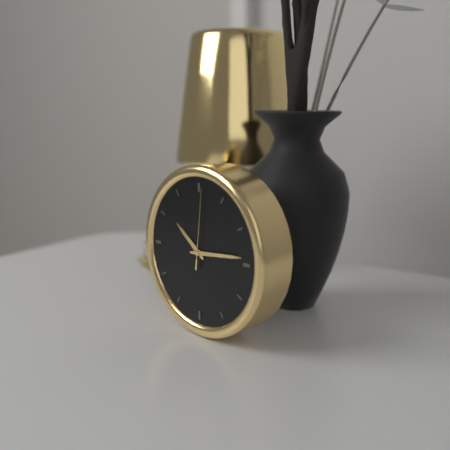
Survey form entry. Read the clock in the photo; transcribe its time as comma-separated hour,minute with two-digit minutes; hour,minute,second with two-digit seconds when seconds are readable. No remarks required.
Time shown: 10,14,01
